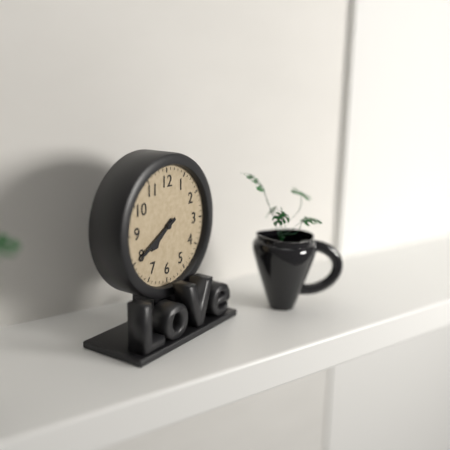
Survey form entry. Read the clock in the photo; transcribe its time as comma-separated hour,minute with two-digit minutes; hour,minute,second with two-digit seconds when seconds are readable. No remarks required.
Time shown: 7,40
